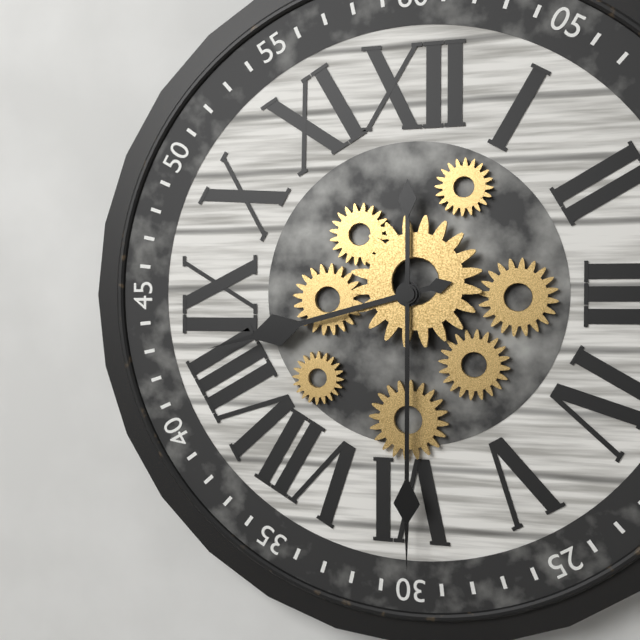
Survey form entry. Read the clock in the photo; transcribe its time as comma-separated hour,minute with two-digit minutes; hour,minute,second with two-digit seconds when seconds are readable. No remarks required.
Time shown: 8,30
